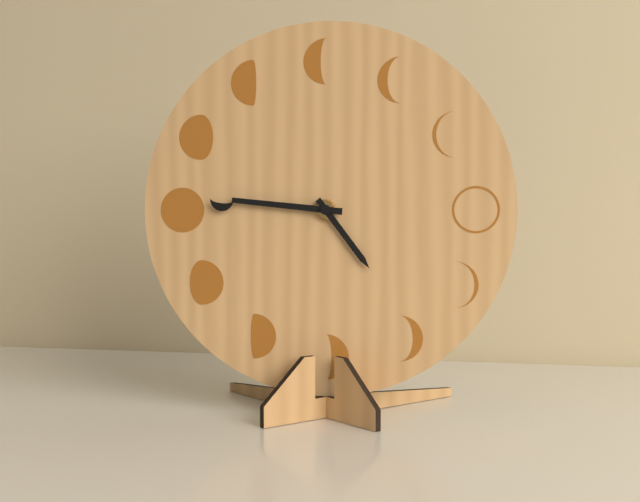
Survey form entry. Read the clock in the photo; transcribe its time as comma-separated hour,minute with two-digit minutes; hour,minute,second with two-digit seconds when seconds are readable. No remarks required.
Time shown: 4,46
